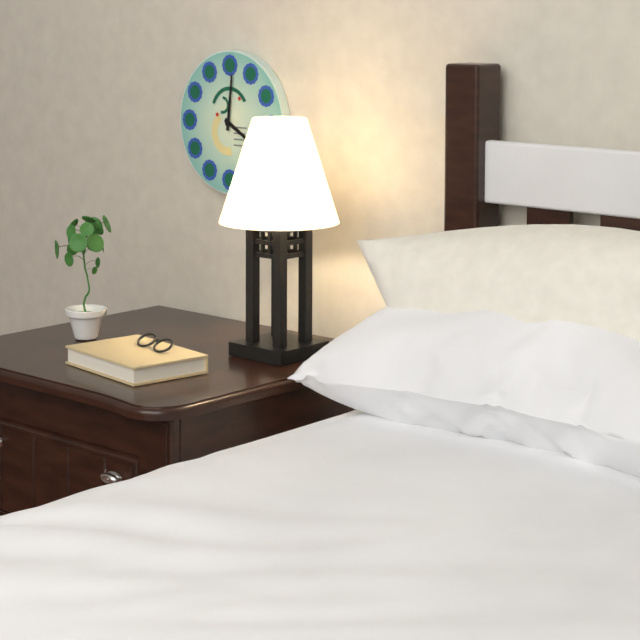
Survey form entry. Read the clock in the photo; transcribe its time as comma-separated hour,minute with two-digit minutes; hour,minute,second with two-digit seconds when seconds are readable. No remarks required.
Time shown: 4,01
